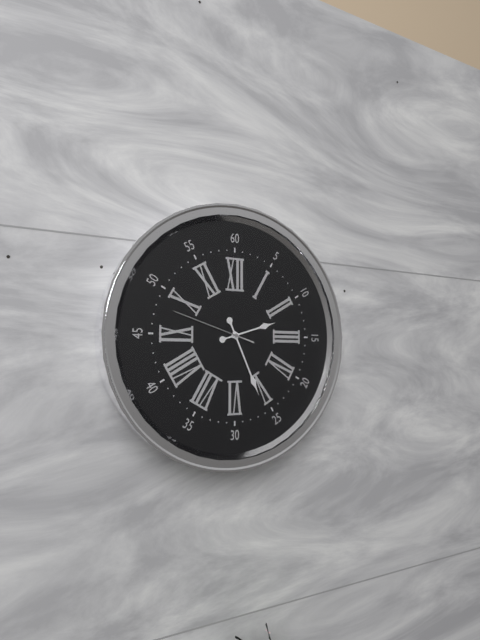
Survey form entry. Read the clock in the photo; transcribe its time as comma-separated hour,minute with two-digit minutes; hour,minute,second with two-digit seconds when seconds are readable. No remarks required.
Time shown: 2,26,48
